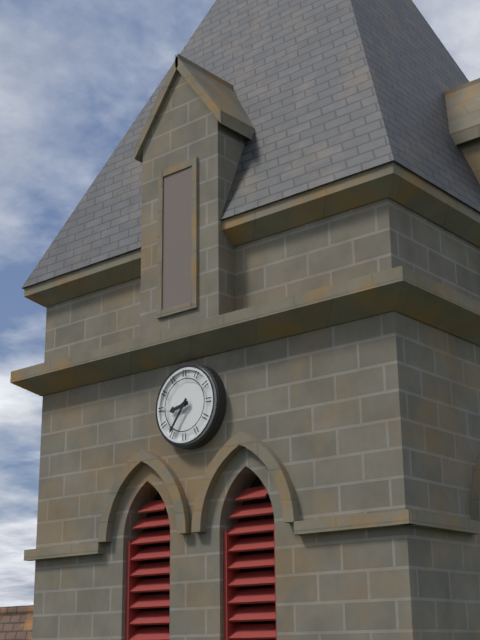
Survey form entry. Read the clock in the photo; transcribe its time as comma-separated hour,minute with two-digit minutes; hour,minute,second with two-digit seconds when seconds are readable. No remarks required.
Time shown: 8,36
